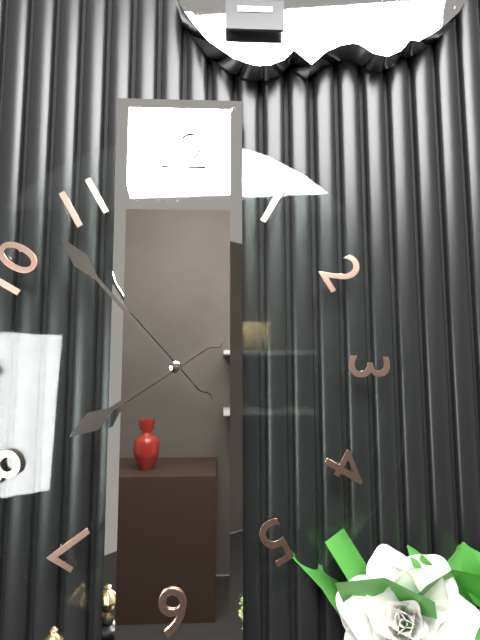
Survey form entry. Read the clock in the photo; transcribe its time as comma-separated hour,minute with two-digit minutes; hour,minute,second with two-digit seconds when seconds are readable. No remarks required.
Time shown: 7,53
